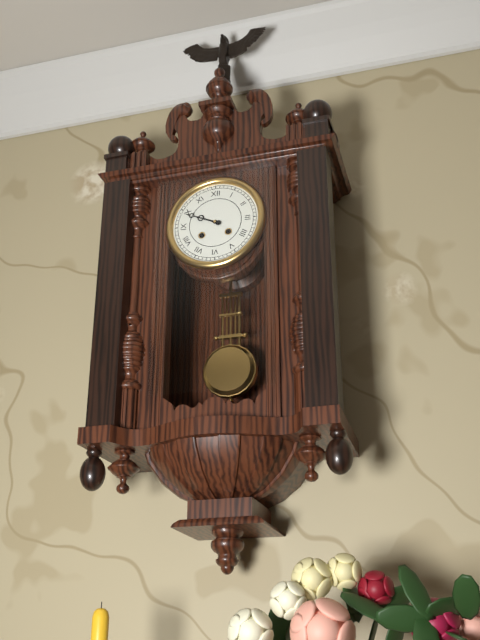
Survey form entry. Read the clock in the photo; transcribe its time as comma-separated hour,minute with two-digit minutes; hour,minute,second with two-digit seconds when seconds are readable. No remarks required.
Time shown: 9,49
